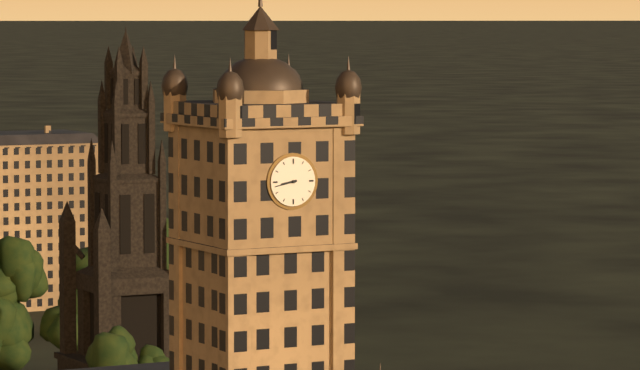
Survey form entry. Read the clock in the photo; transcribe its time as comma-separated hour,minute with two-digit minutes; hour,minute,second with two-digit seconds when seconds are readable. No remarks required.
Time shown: 8,43
